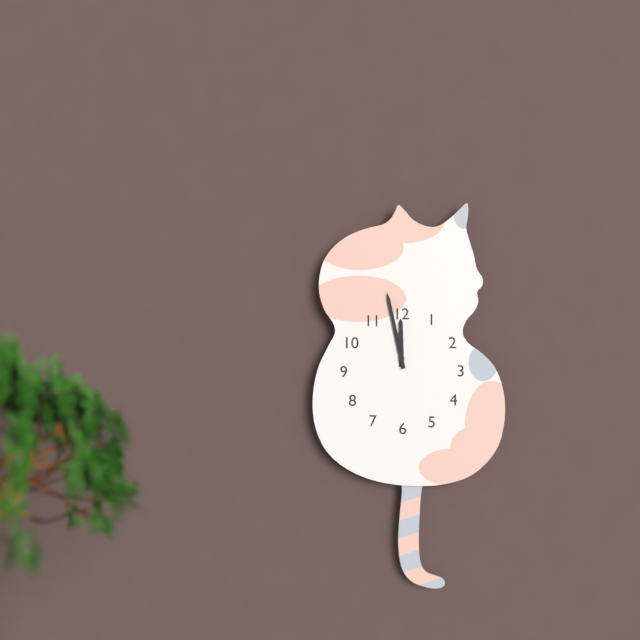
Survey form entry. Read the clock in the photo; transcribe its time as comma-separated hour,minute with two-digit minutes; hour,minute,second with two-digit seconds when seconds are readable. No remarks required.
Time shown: 11,58
